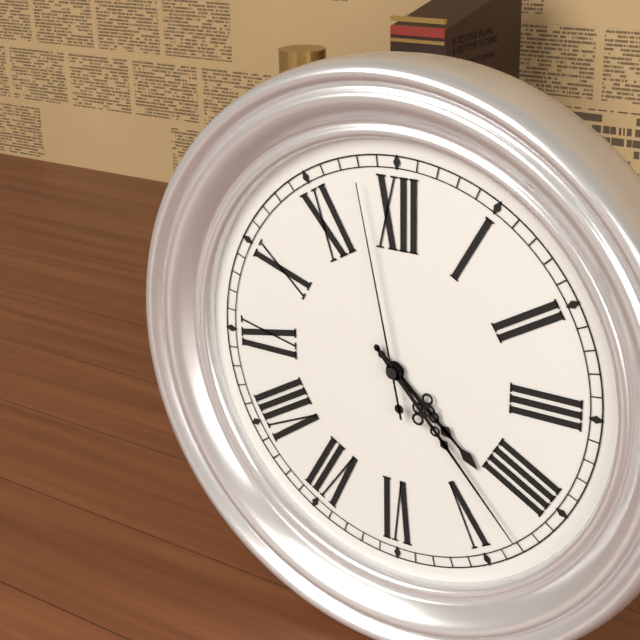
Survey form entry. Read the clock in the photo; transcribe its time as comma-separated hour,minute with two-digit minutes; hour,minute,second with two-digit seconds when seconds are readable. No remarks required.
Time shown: 4,23,58
